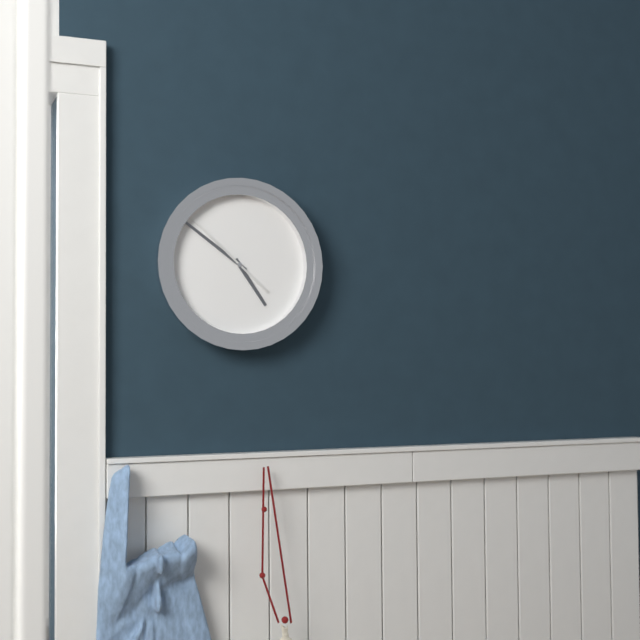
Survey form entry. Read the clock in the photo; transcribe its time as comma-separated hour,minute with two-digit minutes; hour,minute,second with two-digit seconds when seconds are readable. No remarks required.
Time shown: 4,51,52
